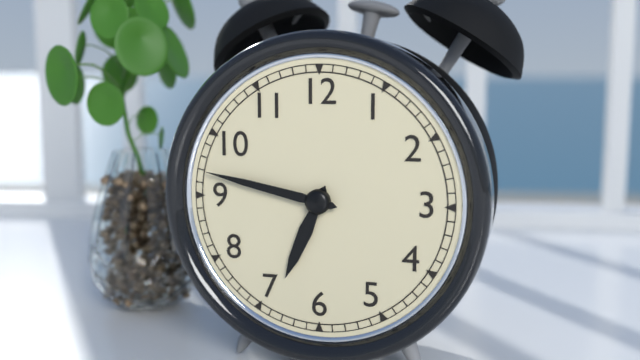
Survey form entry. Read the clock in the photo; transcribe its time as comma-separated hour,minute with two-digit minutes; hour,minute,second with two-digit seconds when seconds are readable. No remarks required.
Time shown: 6,47
